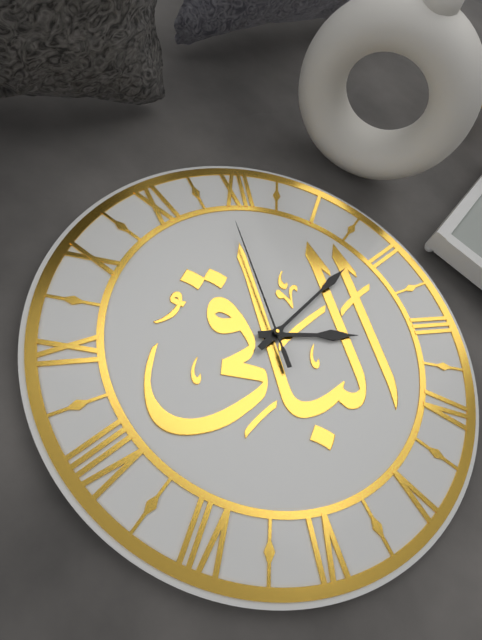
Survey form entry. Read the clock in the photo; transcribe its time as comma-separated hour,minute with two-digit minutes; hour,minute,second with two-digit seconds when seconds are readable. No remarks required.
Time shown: 3,09,59
